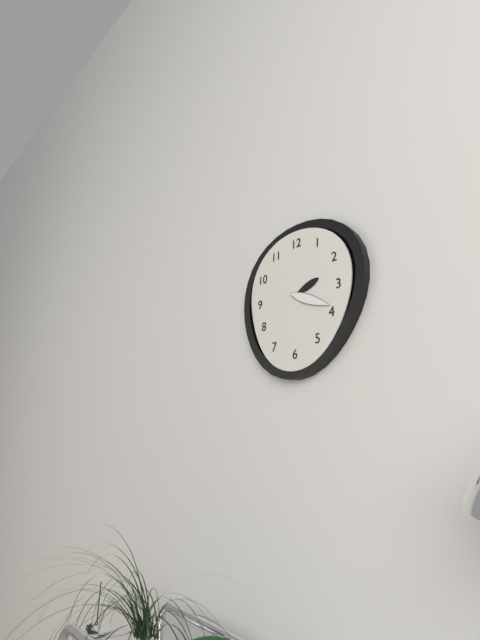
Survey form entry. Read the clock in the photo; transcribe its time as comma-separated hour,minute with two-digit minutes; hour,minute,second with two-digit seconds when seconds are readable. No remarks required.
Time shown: 2,19
